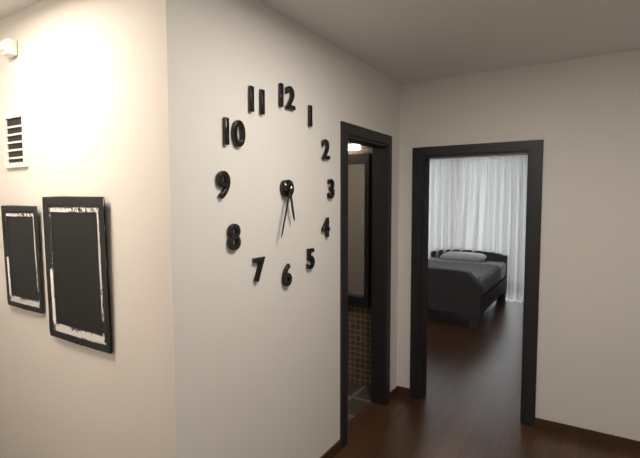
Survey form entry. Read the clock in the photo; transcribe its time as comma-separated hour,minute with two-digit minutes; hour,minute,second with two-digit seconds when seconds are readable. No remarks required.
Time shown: 5,33
